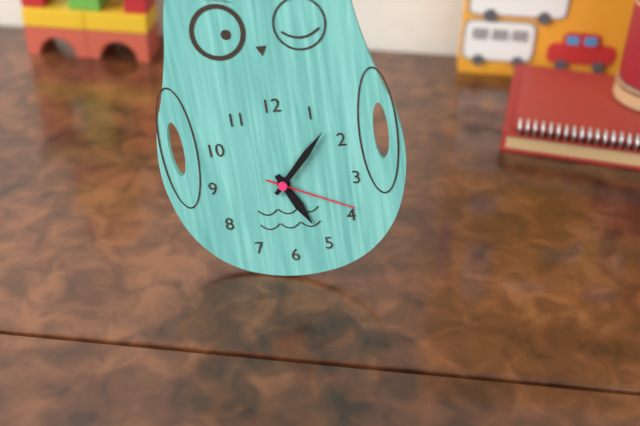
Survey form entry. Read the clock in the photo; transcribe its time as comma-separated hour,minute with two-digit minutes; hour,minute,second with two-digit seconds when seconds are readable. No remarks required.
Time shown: 5,07,19
